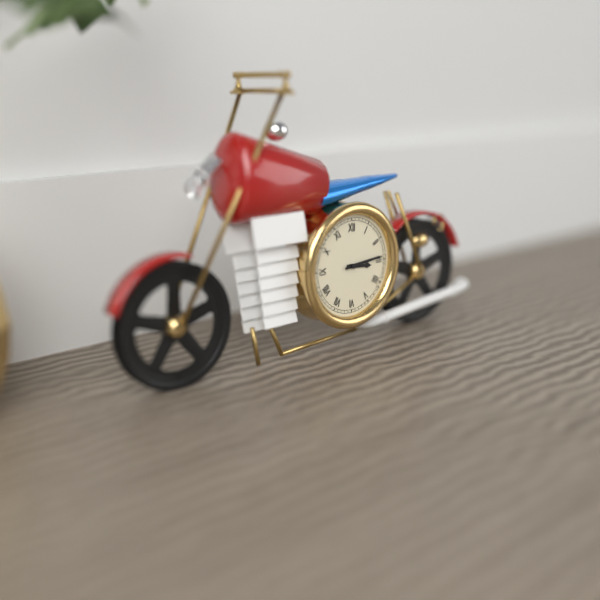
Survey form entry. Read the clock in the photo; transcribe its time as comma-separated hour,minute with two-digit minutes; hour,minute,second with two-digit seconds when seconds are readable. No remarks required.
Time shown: 3,14
